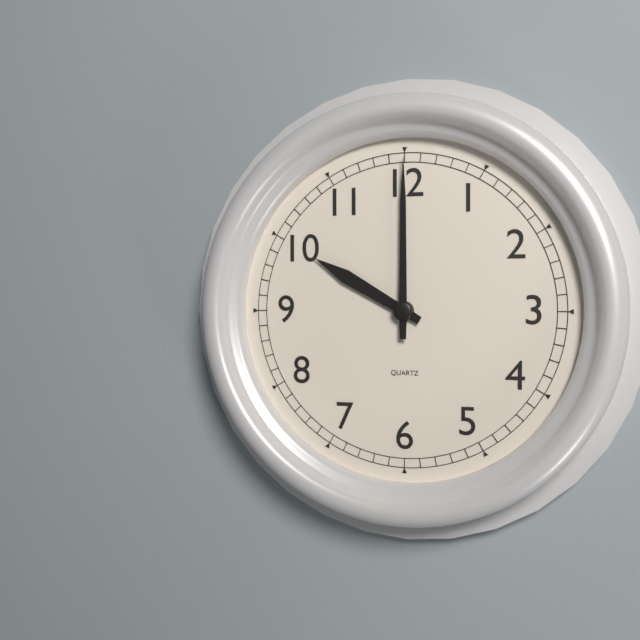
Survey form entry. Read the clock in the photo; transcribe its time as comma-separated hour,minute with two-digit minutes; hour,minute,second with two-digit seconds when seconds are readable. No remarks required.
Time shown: 10,00
